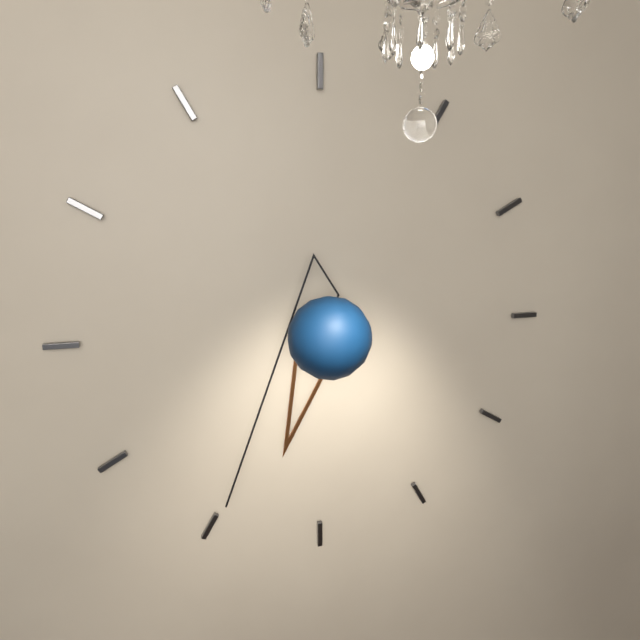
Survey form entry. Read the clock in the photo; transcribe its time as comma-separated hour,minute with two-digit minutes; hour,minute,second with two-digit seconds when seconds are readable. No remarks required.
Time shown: 6,35
